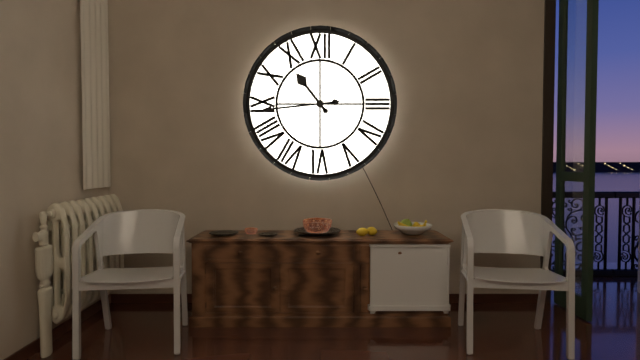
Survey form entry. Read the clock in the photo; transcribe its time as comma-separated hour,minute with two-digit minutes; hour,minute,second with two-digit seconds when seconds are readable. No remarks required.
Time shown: 10,44
